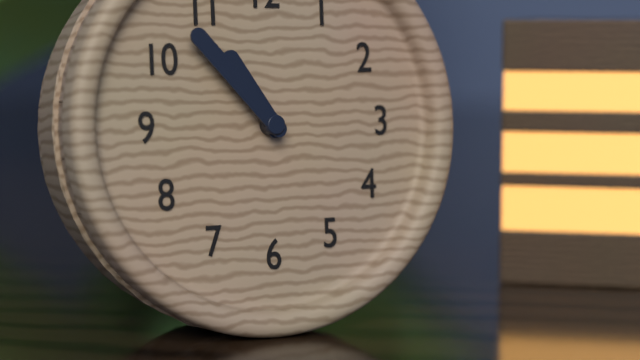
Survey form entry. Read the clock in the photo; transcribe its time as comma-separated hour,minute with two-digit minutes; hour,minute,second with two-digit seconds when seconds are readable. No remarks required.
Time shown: 10,53
